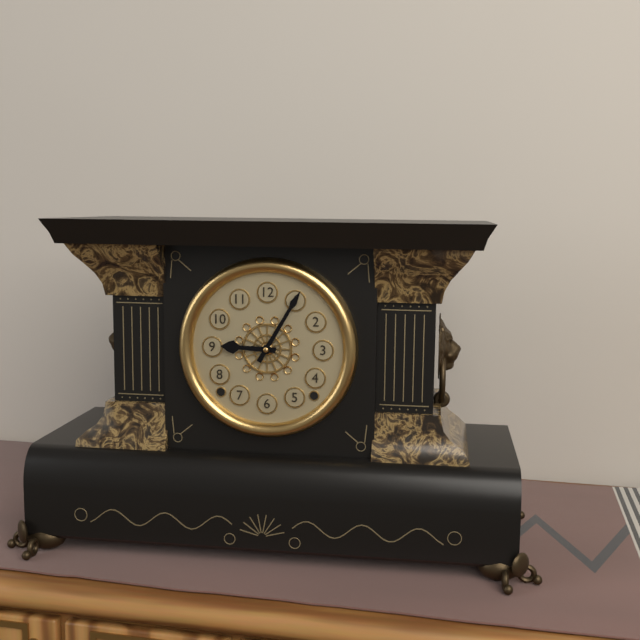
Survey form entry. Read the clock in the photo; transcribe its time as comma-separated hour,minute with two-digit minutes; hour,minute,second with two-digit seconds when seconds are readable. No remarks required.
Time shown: 9,05
